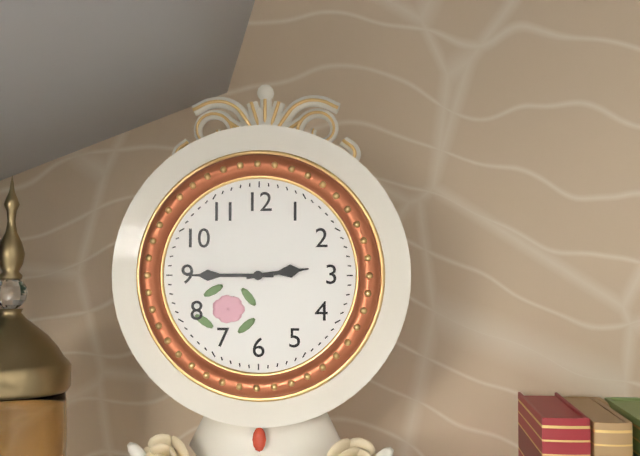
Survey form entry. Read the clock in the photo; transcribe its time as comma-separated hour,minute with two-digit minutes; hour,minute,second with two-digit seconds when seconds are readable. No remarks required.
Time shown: 2,45
